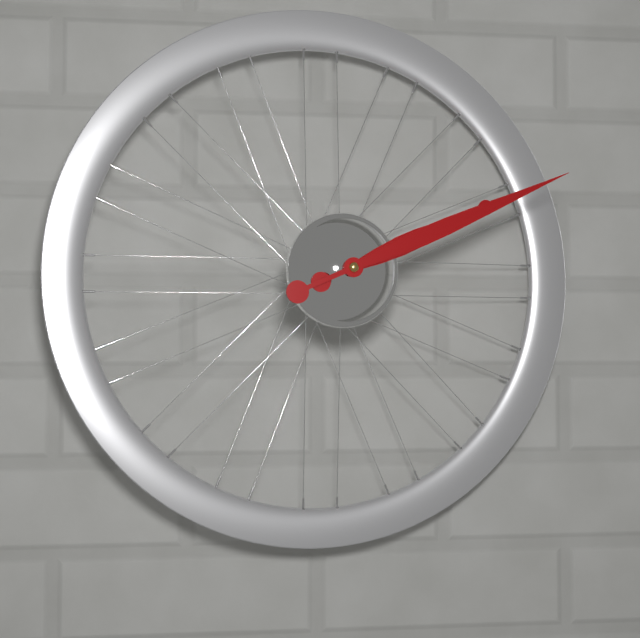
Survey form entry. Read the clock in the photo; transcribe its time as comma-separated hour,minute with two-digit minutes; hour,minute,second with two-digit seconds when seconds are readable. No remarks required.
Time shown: 2,11
